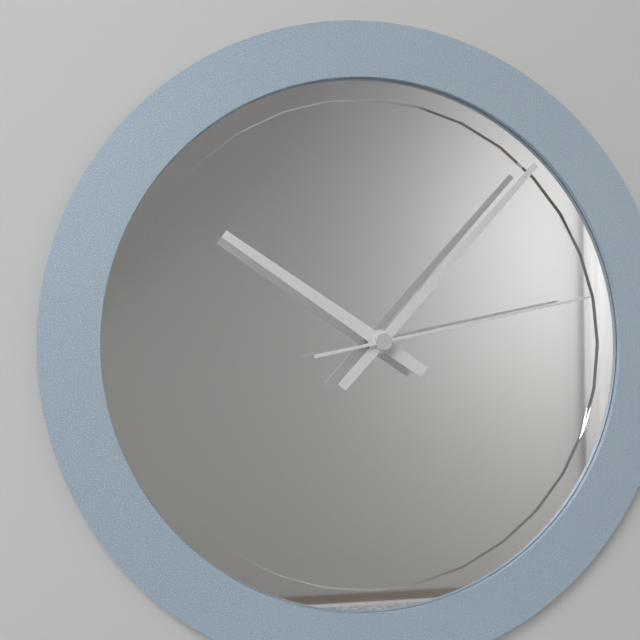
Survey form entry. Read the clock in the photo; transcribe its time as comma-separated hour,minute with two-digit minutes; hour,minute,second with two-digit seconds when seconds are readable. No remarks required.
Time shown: 10,07,13
